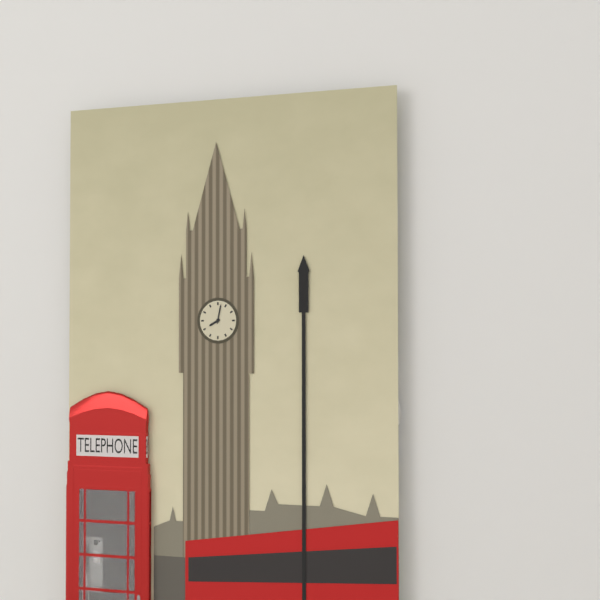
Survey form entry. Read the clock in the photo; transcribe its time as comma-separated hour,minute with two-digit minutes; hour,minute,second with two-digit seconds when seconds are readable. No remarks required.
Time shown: 8,02
